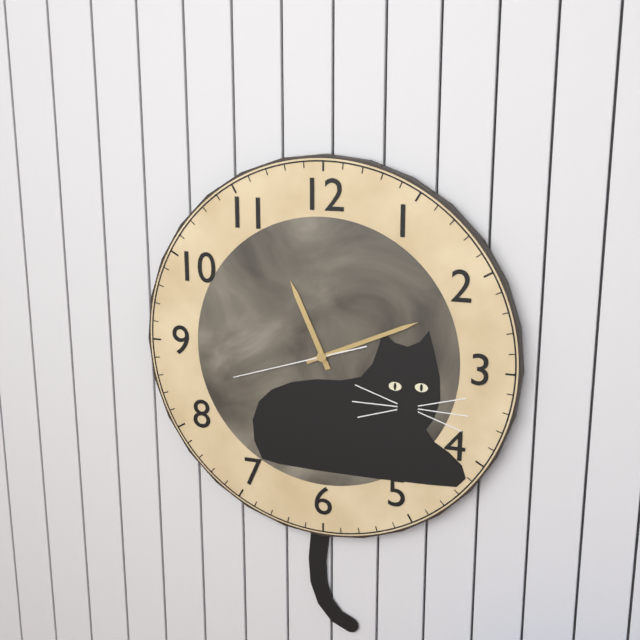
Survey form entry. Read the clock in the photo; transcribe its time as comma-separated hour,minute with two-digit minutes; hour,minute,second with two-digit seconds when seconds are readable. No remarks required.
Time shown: 11,11,42
